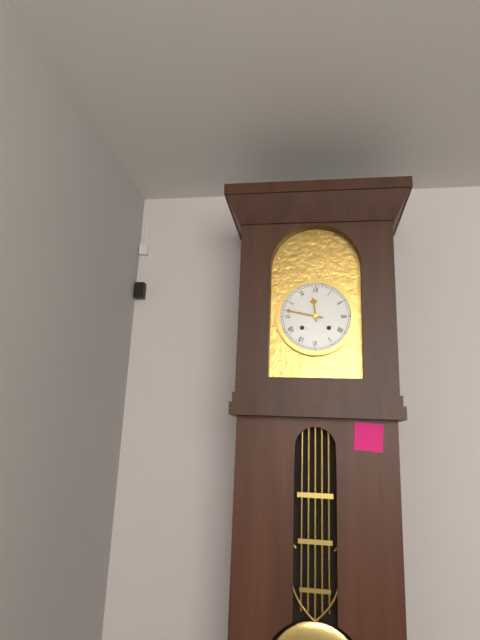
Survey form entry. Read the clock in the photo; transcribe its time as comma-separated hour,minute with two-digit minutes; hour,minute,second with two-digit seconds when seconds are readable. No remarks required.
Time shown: 11,47
